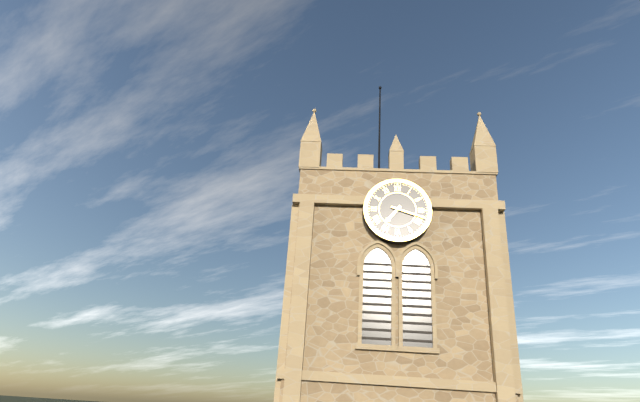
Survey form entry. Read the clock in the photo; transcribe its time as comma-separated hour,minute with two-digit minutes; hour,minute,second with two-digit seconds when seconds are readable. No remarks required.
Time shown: 7,18
